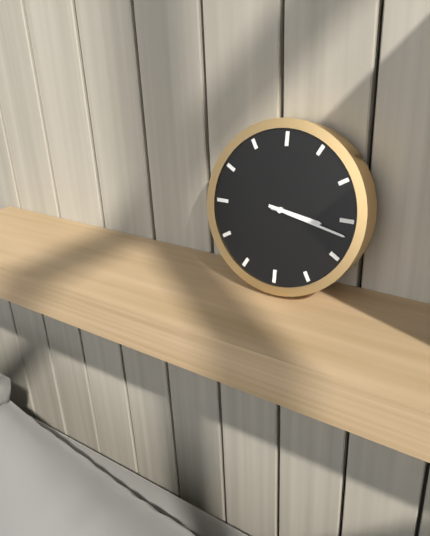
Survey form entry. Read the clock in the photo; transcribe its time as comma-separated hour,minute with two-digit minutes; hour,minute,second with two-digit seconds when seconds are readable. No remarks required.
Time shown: 3,17
